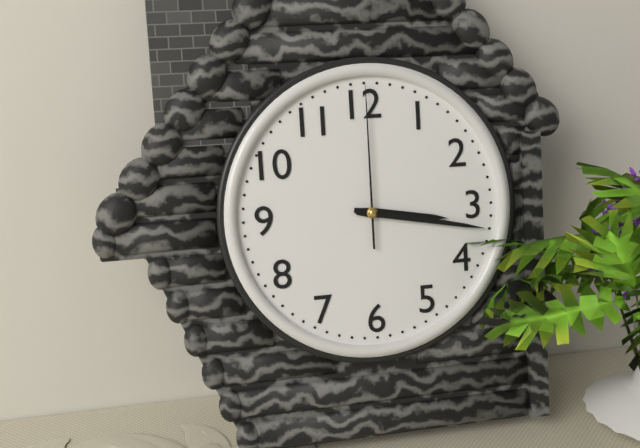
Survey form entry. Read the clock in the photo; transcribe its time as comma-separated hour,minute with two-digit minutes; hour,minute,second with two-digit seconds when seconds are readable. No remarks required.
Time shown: 3,17,00
